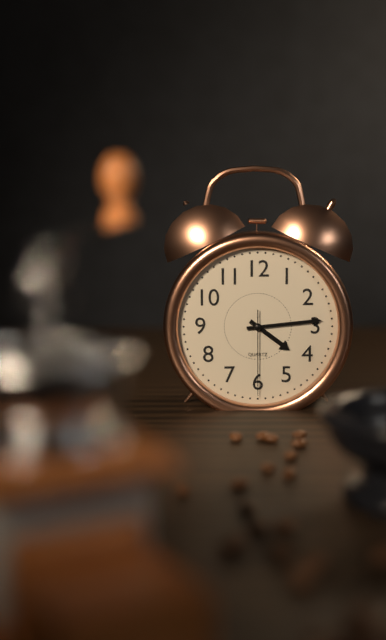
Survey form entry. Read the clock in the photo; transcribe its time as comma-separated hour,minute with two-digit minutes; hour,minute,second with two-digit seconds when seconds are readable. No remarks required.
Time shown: 4,14,30
